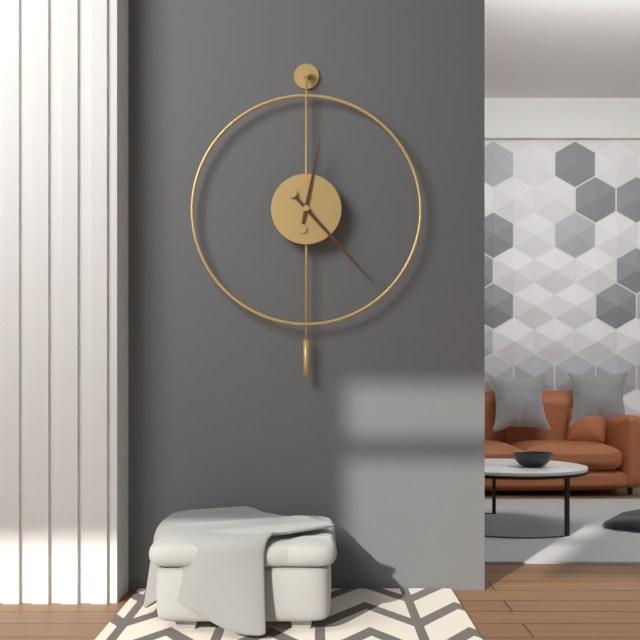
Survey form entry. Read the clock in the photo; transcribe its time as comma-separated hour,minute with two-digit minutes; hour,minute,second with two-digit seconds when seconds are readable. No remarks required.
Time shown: 12,23
